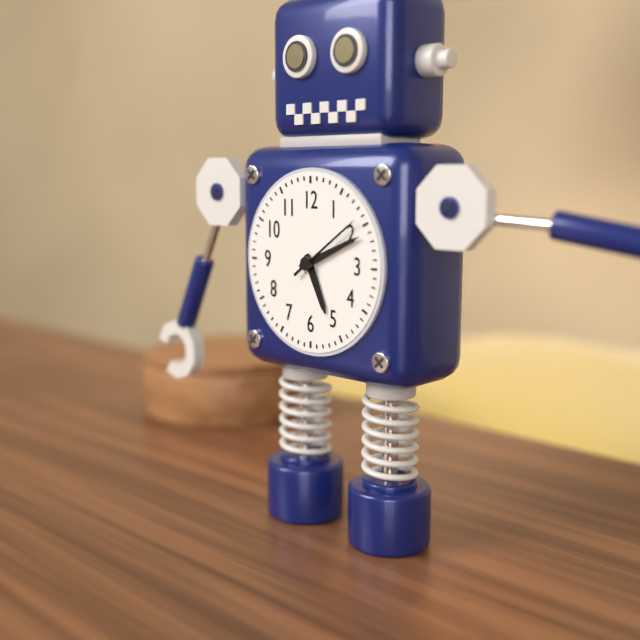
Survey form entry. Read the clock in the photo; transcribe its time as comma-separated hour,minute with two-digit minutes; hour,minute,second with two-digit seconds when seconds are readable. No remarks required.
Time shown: 5,11,09
